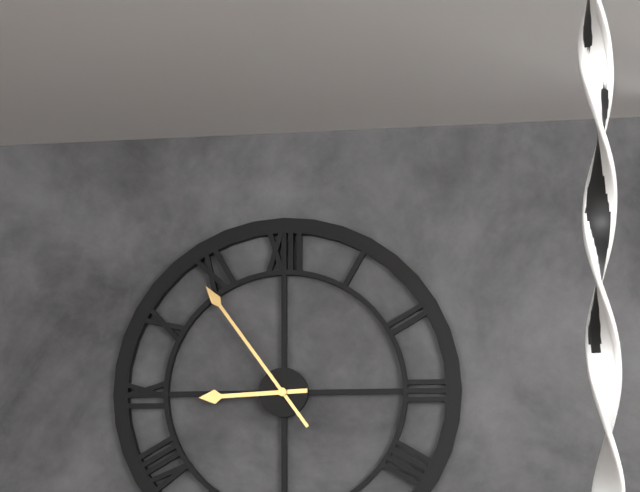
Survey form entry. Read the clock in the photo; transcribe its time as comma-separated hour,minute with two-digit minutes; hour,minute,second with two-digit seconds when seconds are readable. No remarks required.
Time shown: 8,54
